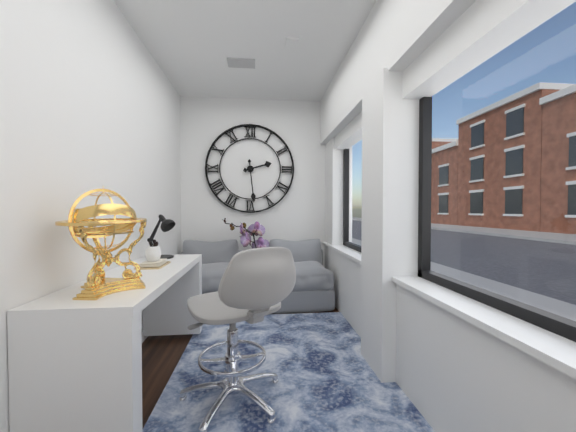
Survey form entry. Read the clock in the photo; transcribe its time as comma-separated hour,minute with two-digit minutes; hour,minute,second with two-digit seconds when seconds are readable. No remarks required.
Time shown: 2,29
